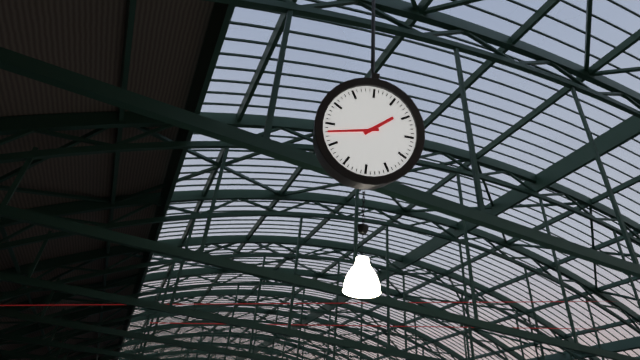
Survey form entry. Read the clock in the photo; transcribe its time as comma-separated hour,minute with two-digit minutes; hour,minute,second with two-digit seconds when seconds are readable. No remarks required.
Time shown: 1,43
